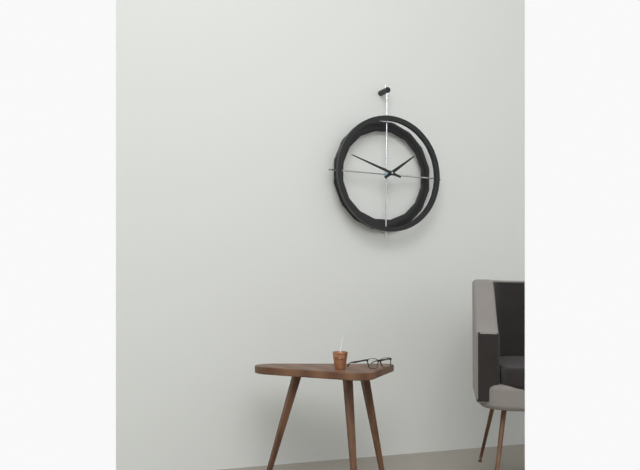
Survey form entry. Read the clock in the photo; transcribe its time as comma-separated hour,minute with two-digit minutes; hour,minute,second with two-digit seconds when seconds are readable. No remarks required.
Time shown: 1,48
